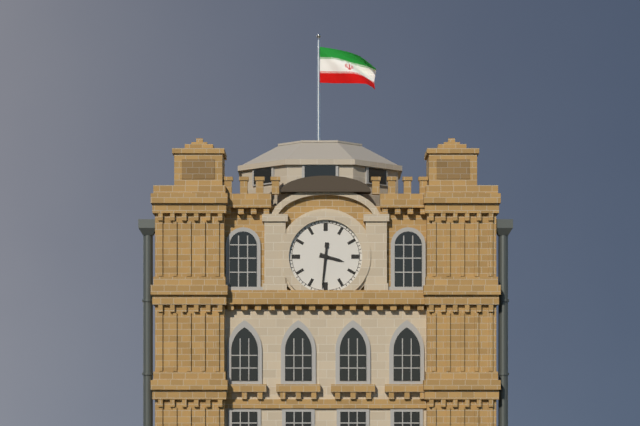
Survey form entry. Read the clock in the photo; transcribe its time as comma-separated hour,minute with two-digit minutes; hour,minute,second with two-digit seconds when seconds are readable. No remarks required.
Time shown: 3,31
